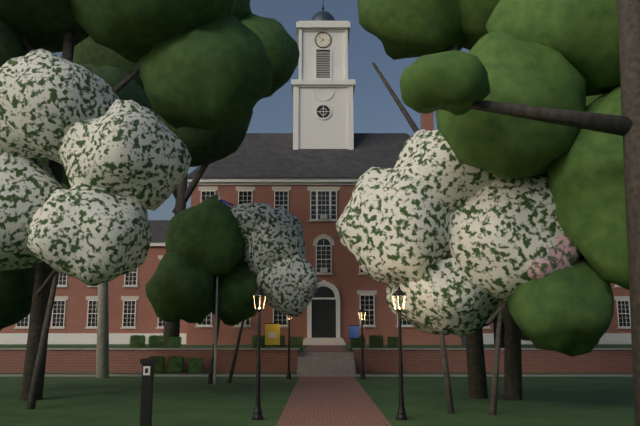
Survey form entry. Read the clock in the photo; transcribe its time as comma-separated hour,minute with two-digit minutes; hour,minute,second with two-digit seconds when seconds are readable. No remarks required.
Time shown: 7,52
